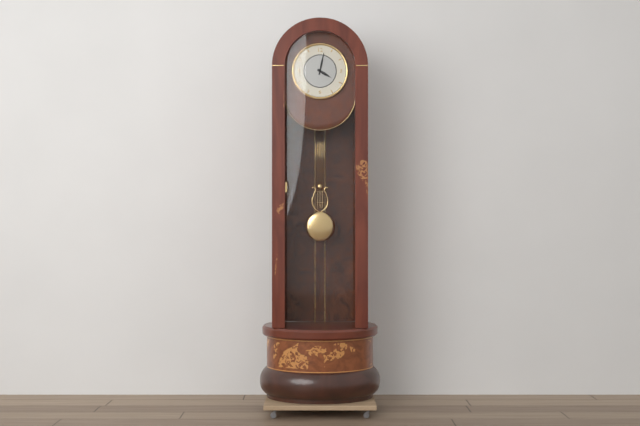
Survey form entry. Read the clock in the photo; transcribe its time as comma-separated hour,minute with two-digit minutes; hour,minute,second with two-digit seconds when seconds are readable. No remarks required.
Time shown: 4,02
